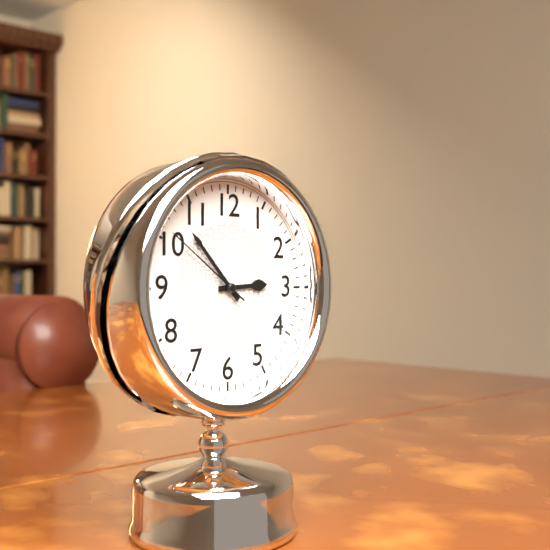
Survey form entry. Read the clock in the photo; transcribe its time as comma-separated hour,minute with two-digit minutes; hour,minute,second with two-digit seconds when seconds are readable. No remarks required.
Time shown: 2,53,51
